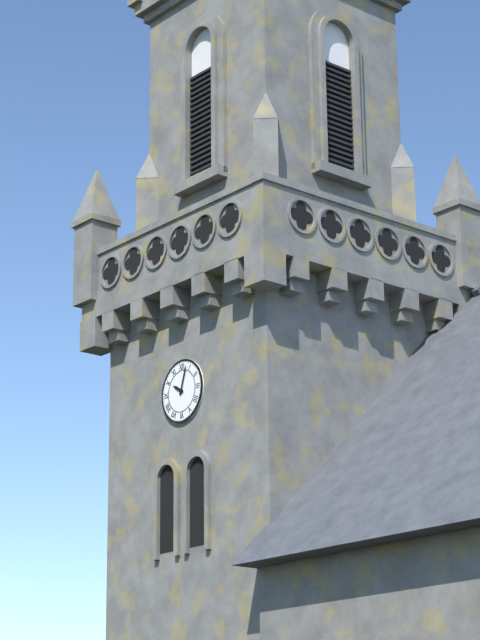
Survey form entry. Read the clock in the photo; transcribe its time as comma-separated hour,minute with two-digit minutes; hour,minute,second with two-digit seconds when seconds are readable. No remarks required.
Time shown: 10,03
